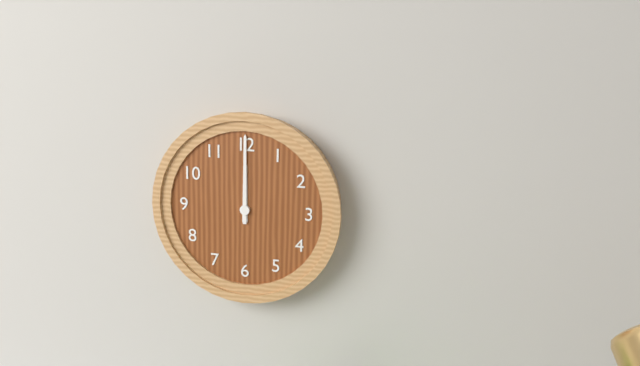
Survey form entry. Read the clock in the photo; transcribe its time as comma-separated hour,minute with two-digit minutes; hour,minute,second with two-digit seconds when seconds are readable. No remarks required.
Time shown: 12,00
